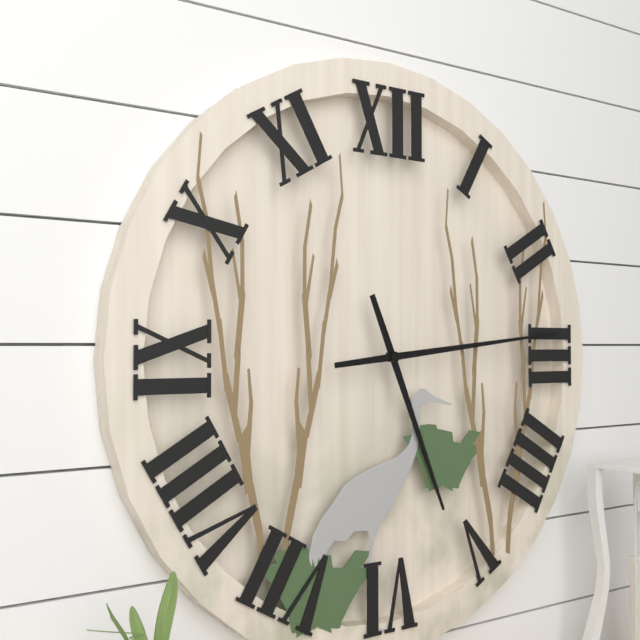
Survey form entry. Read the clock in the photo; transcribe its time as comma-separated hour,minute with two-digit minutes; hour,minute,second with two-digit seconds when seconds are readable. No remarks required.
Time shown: 5,14
